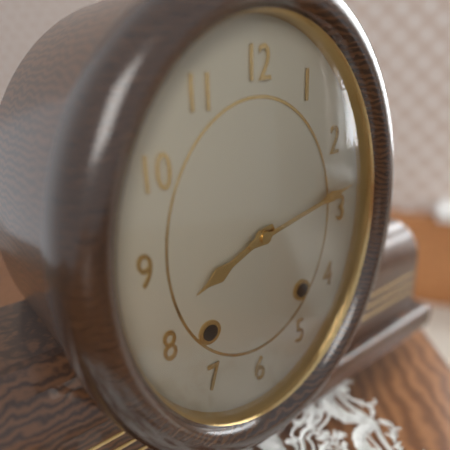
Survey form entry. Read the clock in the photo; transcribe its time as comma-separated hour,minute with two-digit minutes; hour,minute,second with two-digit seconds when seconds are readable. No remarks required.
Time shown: 8,13
